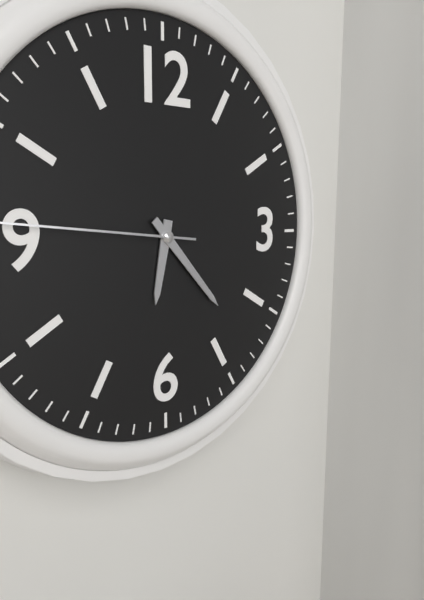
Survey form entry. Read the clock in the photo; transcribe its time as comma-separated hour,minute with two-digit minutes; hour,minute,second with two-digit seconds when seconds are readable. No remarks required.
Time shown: 6,23
